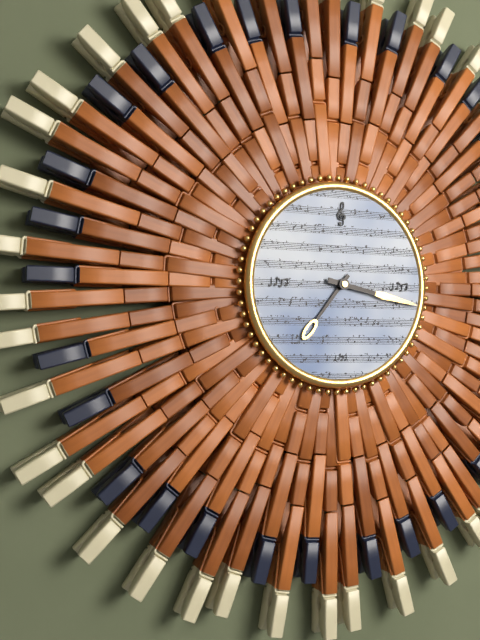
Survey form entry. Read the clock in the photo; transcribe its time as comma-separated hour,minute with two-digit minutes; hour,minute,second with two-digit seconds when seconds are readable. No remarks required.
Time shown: 7,17
